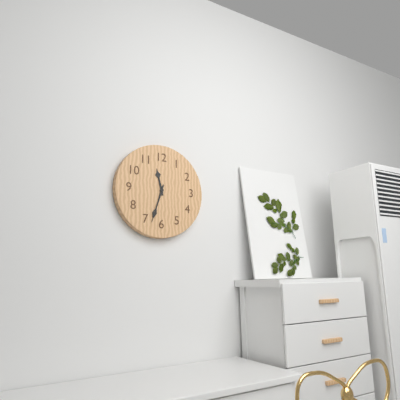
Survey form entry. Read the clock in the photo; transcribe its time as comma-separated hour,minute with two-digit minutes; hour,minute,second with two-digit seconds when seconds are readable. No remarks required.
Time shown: 11,33
